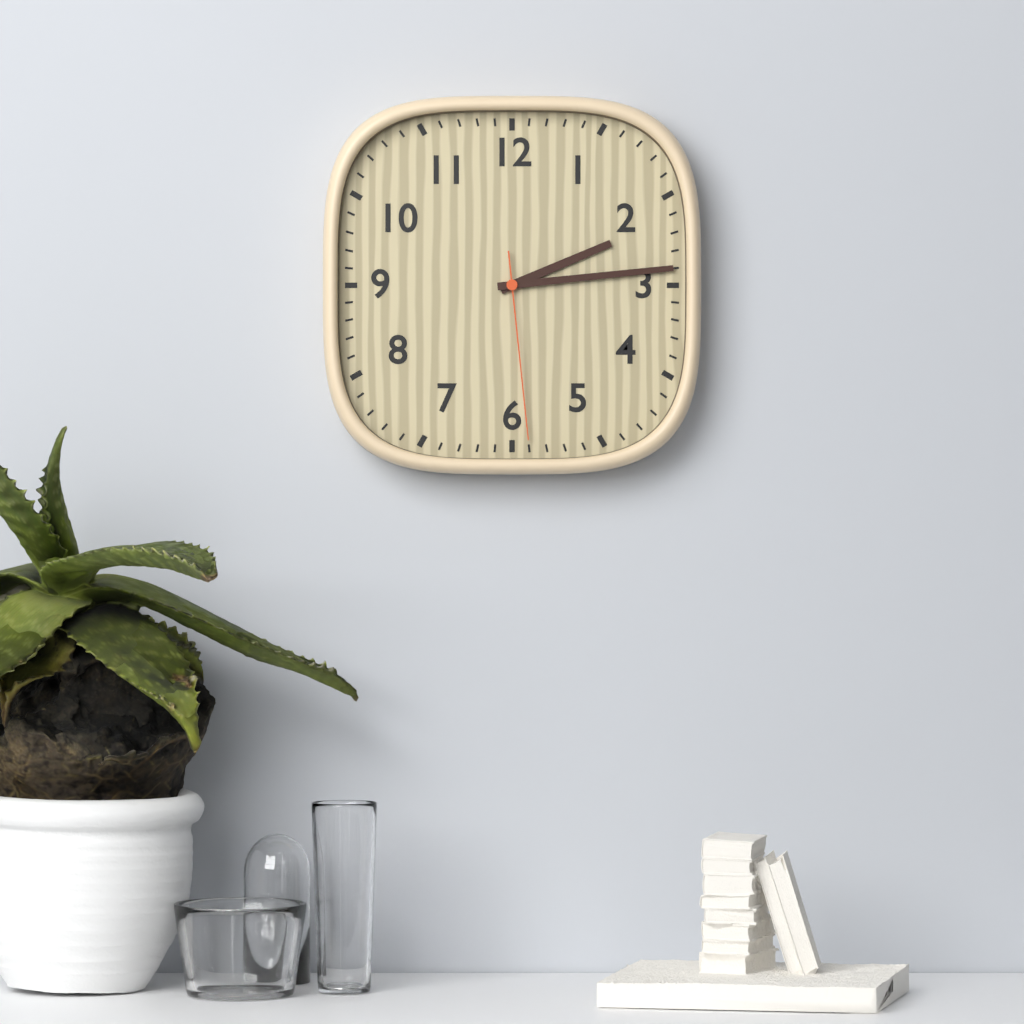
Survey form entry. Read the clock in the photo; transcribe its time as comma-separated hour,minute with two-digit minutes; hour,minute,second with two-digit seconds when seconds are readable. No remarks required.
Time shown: 2,14,29
